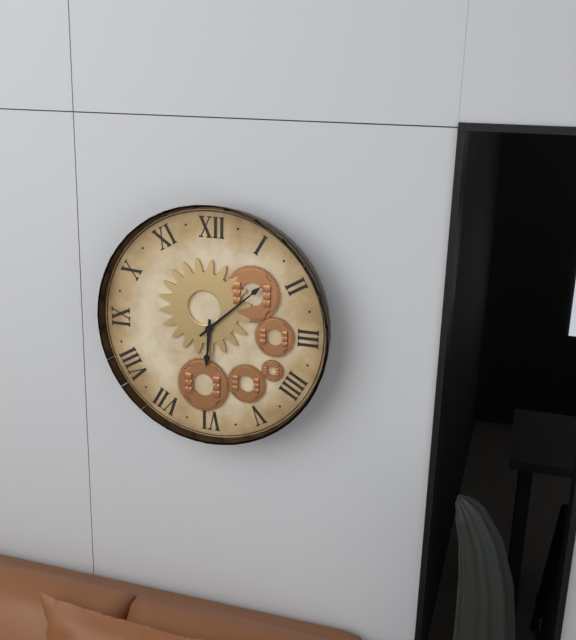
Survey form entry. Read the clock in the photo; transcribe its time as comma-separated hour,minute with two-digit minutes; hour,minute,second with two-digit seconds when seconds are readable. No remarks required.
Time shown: 6,08
